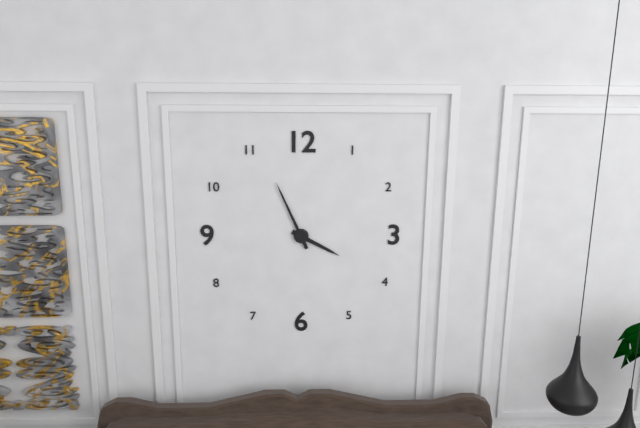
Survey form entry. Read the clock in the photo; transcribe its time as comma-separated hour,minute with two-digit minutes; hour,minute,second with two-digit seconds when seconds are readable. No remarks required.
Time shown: 3,56
